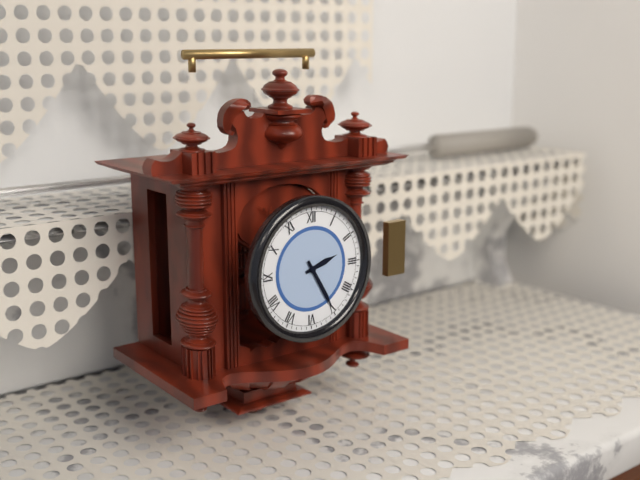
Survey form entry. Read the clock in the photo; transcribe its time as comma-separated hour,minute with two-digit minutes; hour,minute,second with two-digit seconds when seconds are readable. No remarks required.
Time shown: 2,25
